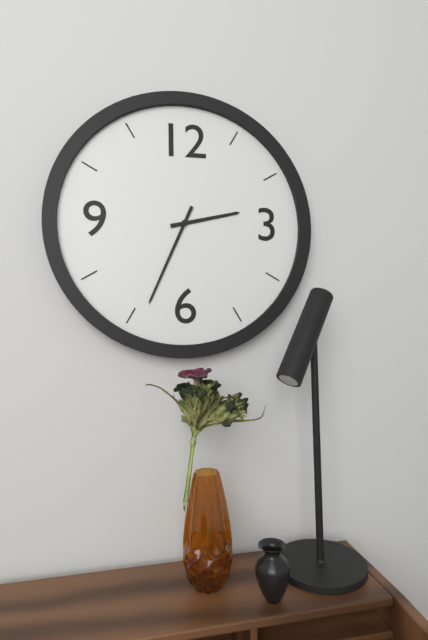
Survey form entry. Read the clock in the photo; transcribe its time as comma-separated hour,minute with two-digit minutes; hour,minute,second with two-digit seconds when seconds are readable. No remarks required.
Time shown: 2,34
